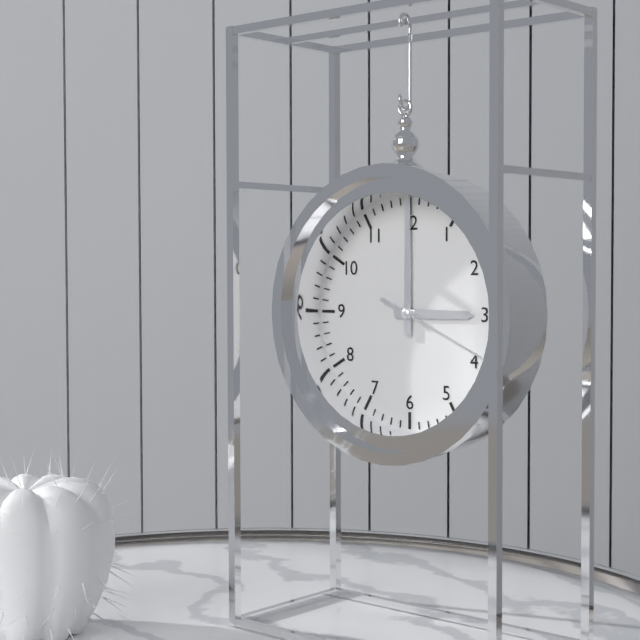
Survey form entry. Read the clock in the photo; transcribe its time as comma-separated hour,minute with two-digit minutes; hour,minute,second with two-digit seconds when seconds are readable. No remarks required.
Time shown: 3,00,19
